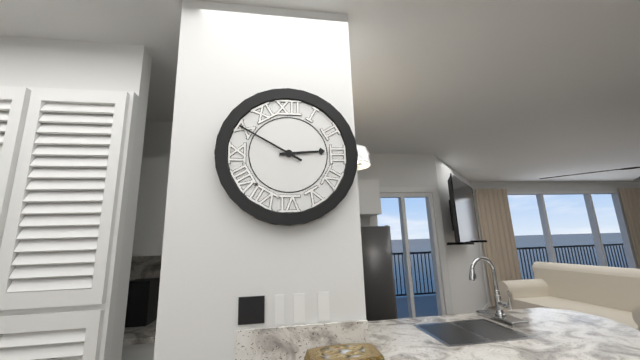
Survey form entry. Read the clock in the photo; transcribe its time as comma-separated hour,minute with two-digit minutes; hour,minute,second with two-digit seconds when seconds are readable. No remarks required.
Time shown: 2,50
